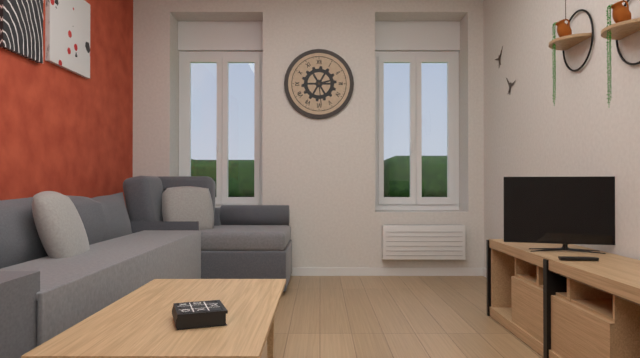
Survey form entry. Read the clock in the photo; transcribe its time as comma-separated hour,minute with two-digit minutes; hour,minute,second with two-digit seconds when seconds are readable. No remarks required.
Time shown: 2,29
